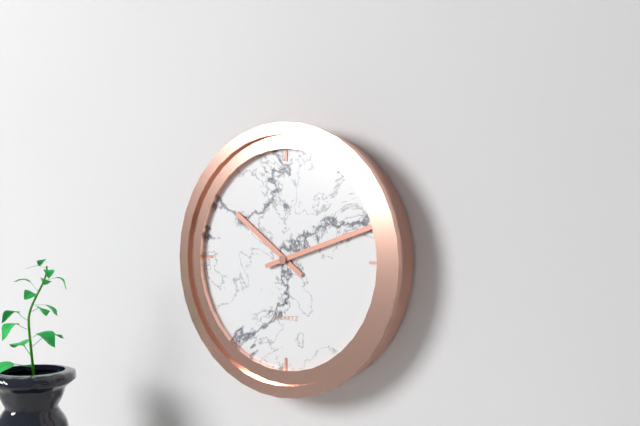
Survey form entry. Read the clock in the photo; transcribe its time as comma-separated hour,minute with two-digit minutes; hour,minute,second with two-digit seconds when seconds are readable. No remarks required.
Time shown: 10,12
